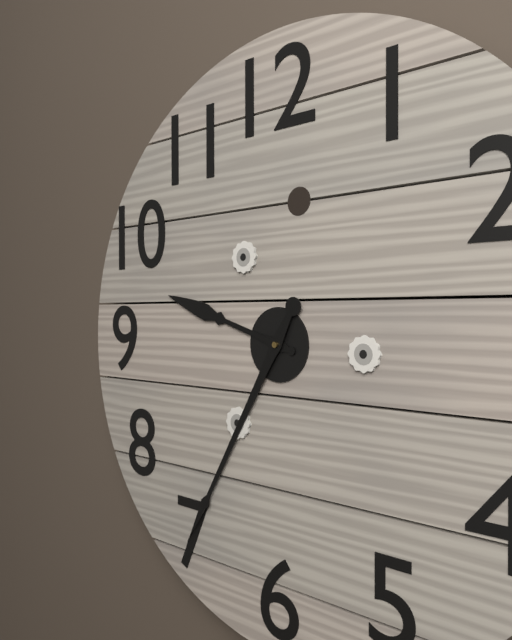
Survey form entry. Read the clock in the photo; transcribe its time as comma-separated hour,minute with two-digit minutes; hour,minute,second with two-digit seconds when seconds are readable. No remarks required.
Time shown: 9,35
